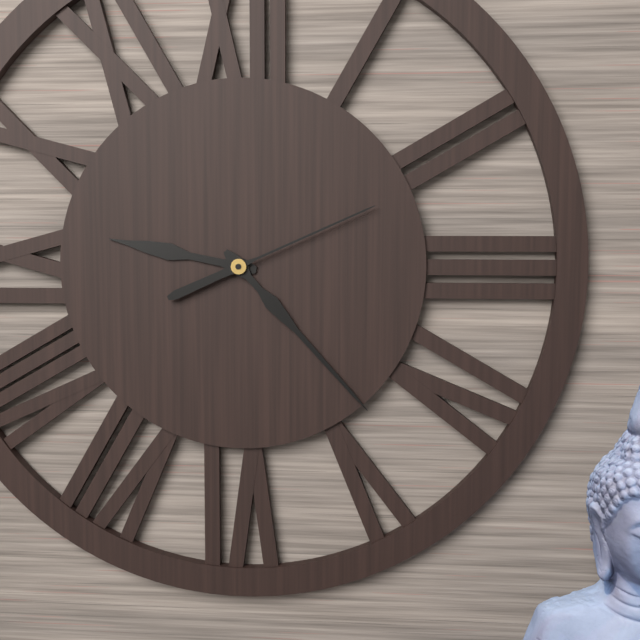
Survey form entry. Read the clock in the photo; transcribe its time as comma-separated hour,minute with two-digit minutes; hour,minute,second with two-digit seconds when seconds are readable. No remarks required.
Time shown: 9,23,11
